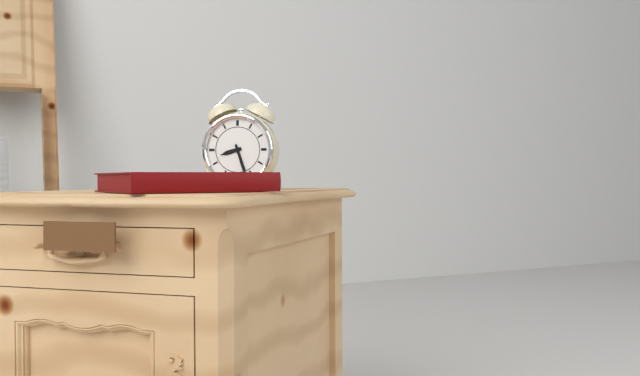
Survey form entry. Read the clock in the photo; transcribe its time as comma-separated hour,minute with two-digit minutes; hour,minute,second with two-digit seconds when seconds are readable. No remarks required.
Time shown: 8,27
